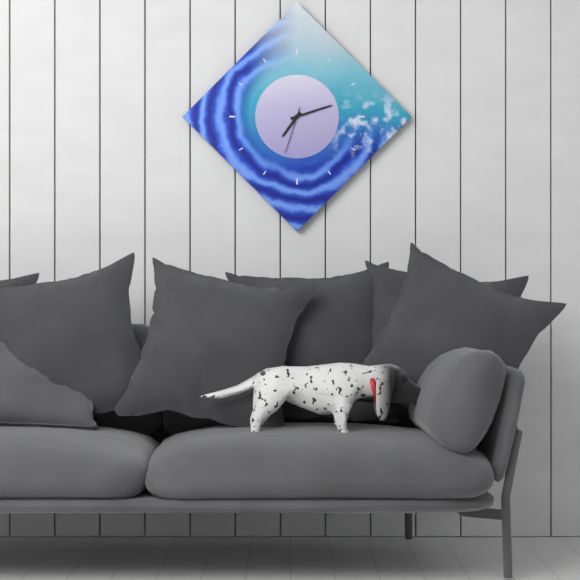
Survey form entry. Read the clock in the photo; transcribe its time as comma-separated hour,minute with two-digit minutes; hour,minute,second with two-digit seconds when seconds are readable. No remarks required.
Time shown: 7,12,33
